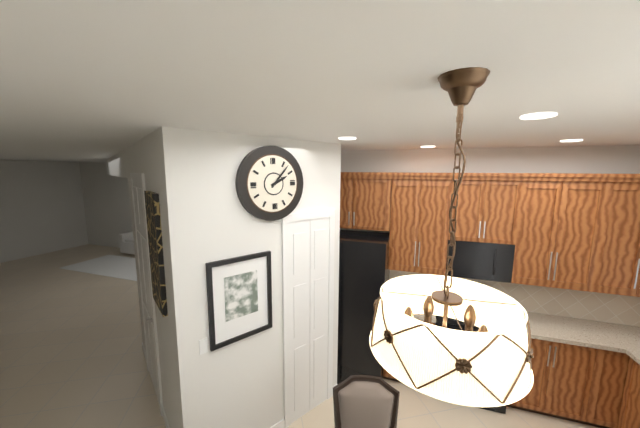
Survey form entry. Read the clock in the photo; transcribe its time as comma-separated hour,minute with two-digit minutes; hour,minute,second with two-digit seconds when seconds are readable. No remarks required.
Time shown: 2,07
